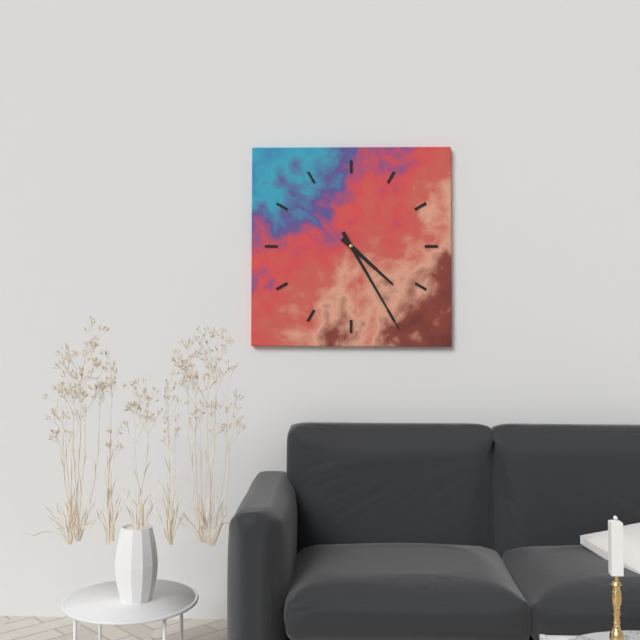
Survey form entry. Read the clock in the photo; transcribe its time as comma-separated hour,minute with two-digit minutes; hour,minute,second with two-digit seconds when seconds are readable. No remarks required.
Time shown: 4,25
